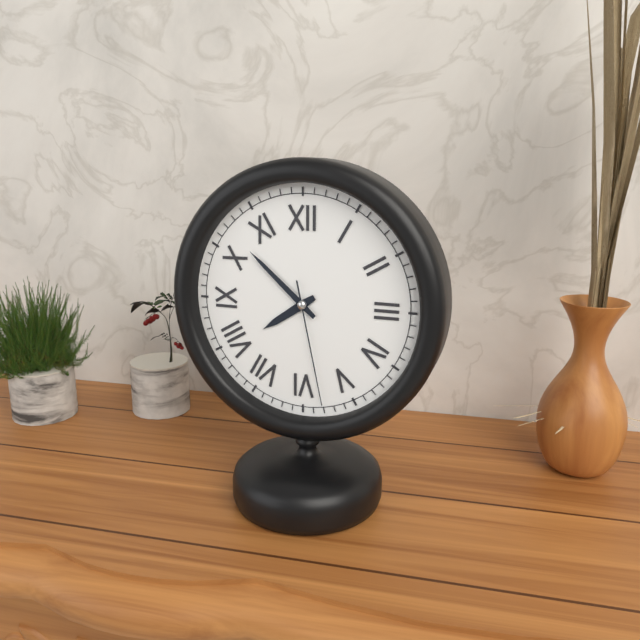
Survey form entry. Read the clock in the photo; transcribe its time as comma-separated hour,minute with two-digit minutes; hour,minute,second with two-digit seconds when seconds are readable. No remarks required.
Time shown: 7,52,28
